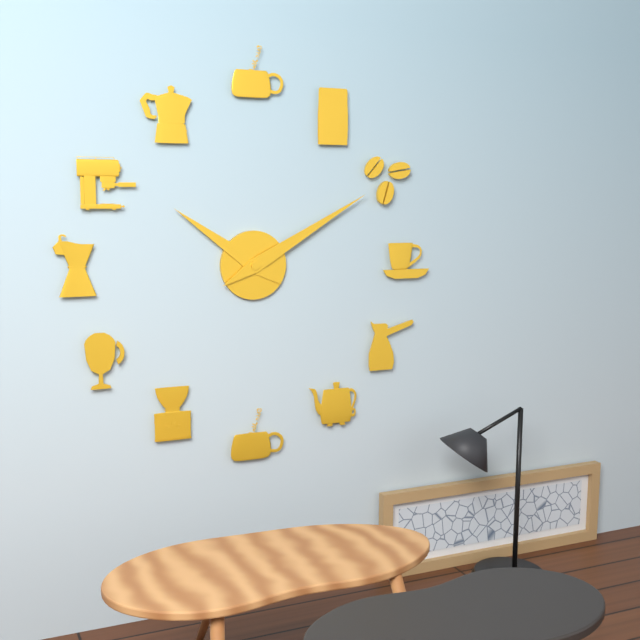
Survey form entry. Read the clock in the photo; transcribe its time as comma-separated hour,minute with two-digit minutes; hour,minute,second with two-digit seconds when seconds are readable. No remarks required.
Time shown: 10,10
